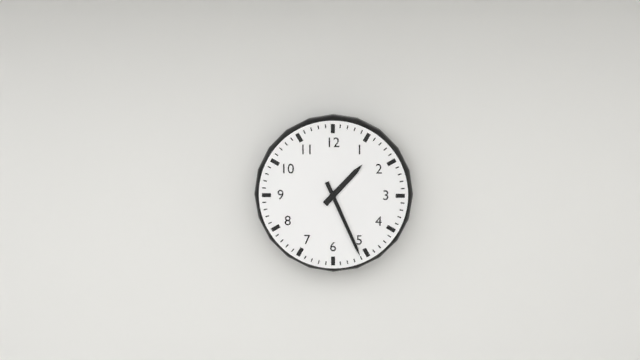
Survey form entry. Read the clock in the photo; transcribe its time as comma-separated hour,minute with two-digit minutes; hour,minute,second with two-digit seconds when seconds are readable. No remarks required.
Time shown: 1,26
